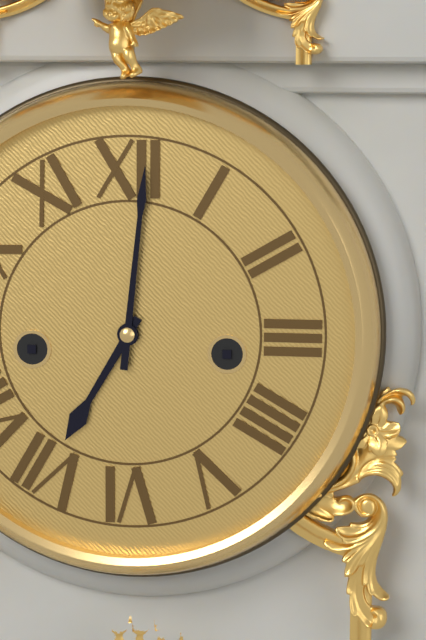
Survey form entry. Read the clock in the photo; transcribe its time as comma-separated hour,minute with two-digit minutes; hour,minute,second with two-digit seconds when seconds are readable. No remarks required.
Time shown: 7,01
